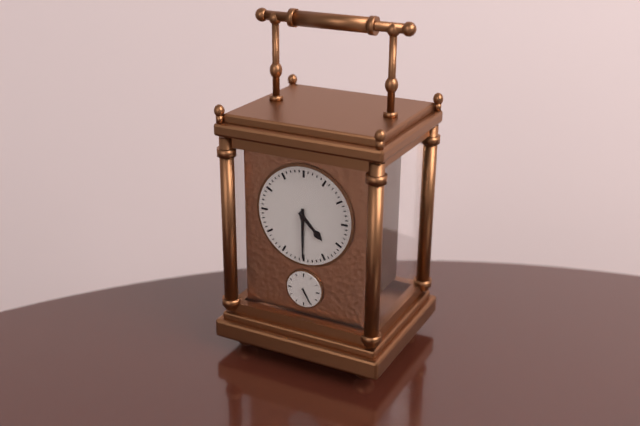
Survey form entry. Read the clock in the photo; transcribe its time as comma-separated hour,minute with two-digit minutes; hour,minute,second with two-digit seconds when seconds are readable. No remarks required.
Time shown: 4,30
